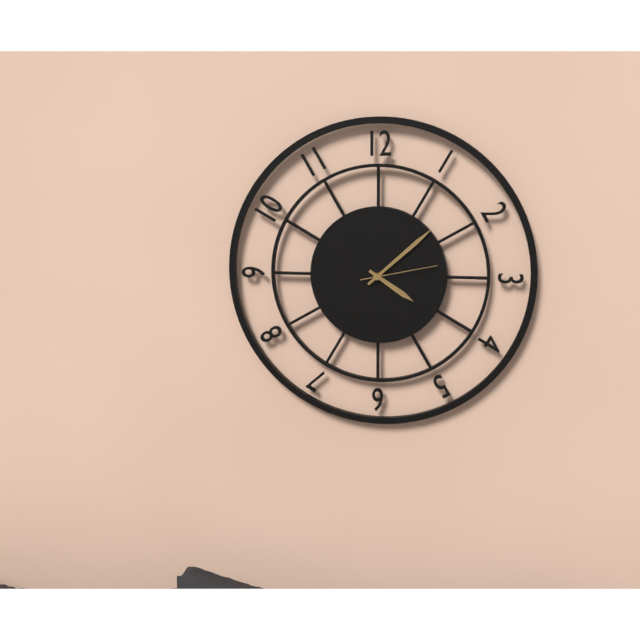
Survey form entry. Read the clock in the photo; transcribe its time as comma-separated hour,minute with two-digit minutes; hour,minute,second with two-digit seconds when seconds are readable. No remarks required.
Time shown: 4,08,13
